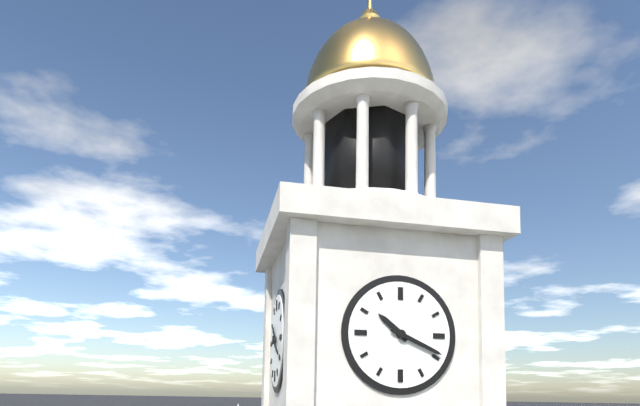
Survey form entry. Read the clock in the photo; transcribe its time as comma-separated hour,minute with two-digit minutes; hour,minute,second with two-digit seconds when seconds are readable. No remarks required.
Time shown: 10,19
